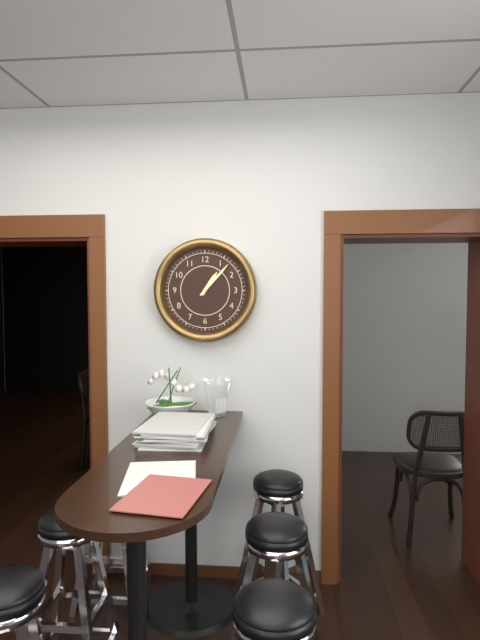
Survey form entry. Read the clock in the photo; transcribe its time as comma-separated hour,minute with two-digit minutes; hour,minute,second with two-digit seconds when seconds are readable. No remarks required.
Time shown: 1,07
